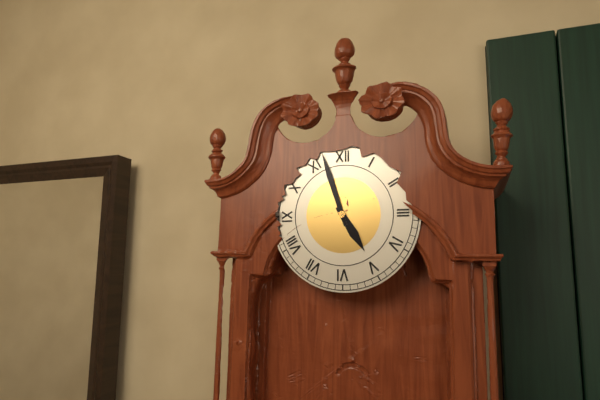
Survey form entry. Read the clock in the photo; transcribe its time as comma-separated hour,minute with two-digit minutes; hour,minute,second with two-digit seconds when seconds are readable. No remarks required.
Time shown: 4,57
